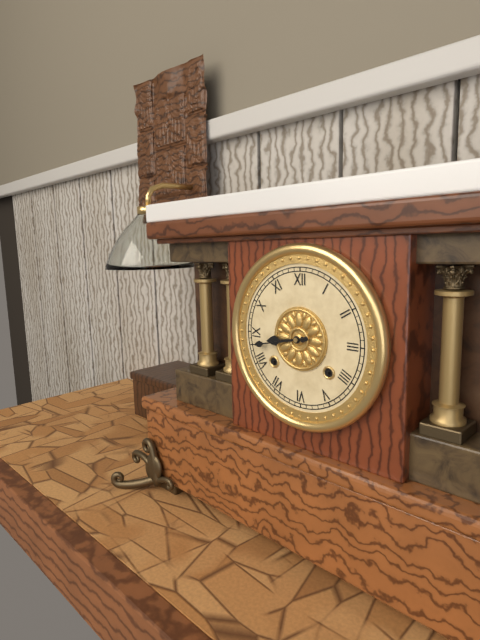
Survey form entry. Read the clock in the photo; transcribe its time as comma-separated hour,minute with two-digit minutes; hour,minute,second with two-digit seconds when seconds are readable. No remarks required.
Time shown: 8,43
